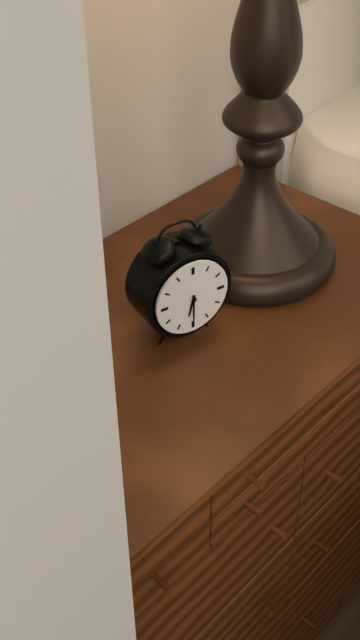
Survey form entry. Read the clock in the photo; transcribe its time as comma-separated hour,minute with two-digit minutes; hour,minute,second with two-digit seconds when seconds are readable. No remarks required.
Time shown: 6,30
